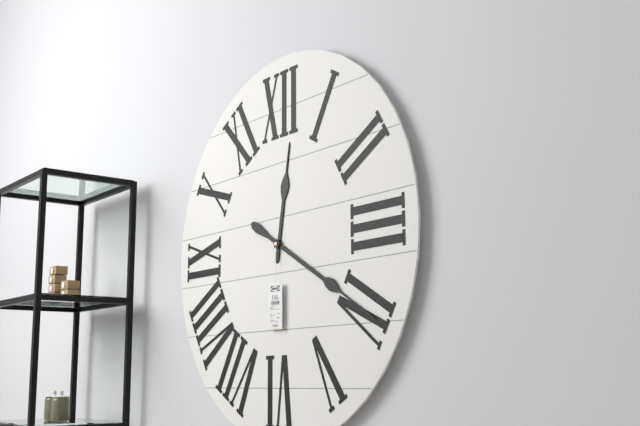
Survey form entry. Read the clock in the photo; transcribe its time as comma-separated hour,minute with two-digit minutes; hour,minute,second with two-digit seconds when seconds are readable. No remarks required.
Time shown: 12,20
